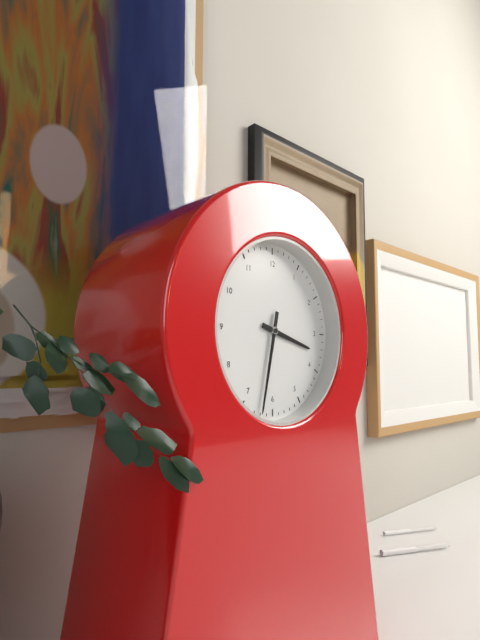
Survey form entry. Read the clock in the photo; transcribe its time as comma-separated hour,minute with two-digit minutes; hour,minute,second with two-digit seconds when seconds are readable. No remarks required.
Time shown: 3,32
